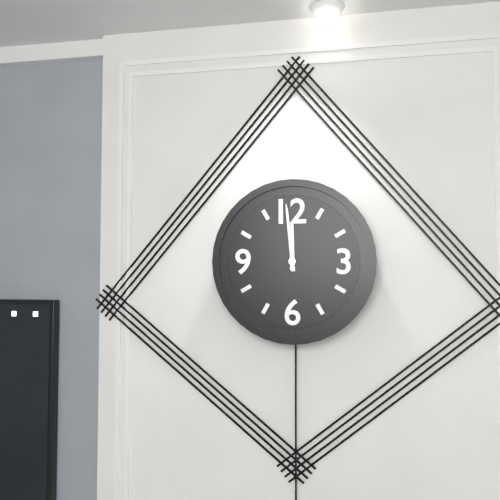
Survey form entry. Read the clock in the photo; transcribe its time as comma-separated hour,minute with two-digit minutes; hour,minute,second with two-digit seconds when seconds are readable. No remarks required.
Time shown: 11,59
